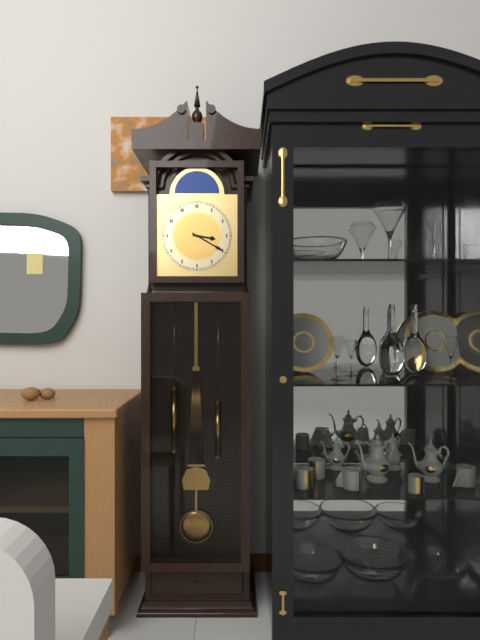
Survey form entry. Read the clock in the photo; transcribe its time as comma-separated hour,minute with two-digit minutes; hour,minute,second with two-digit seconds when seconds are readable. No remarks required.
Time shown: 3,20
